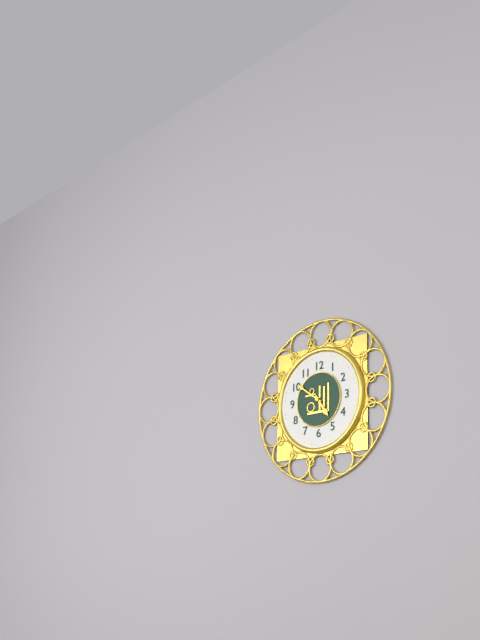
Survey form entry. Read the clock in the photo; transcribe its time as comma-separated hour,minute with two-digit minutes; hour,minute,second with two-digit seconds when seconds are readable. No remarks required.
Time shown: 4,51
